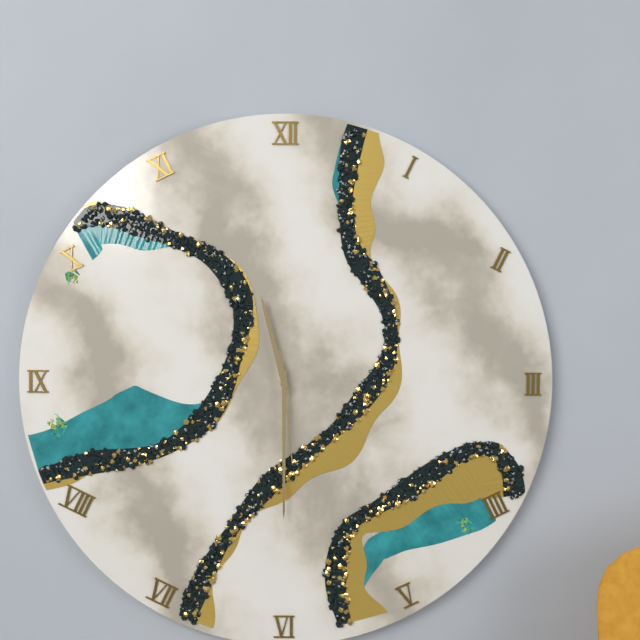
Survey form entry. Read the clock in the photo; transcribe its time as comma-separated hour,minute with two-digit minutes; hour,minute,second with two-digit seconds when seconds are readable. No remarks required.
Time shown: 11,30,29
